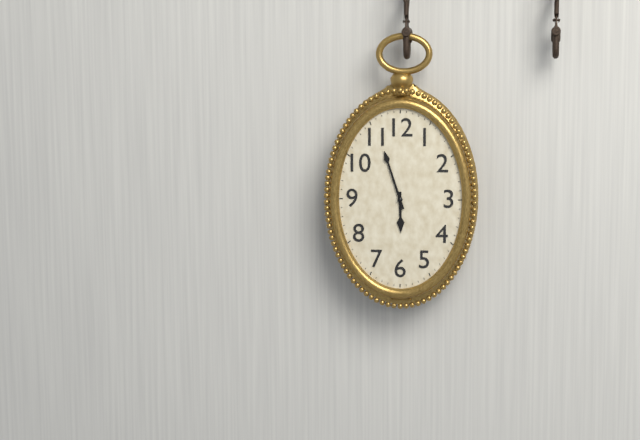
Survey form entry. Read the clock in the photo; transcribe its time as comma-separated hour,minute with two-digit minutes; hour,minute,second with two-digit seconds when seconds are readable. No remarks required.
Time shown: 5,57
